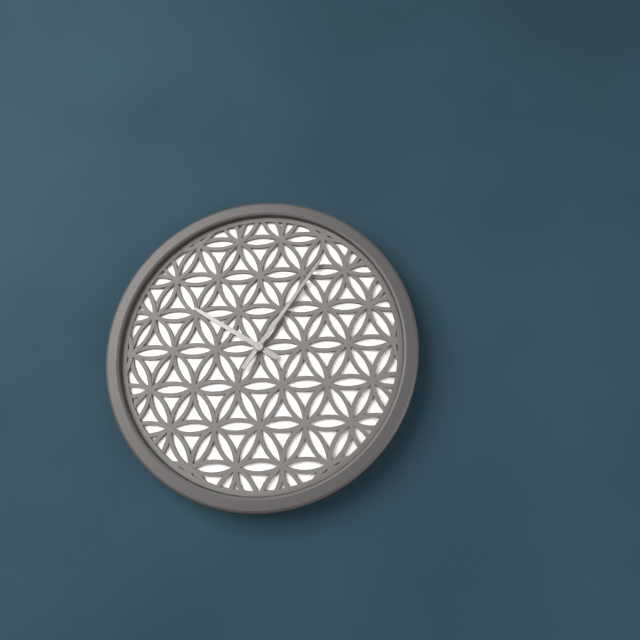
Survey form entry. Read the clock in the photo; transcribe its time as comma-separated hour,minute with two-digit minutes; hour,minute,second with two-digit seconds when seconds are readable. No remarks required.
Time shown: 10,06
